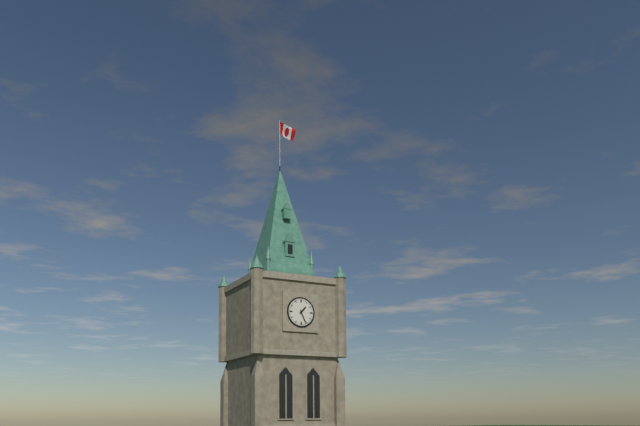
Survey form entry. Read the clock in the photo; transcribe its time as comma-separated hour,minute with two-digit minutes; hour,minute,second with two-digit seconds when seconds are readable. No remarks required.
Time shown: 1,26
